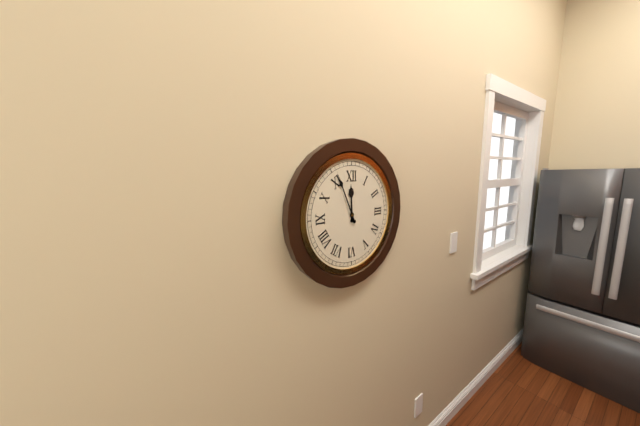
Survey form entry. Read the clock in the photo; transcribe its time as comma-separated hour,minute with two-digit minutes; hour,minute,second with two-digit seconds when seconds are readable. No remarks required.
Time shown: 11,56
